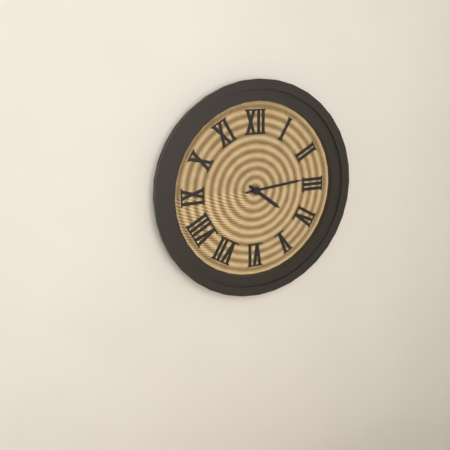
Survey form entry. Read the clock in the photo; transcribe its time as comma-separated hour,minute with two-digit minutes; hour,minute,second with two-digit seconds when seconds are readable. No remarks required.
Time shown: 4,14
